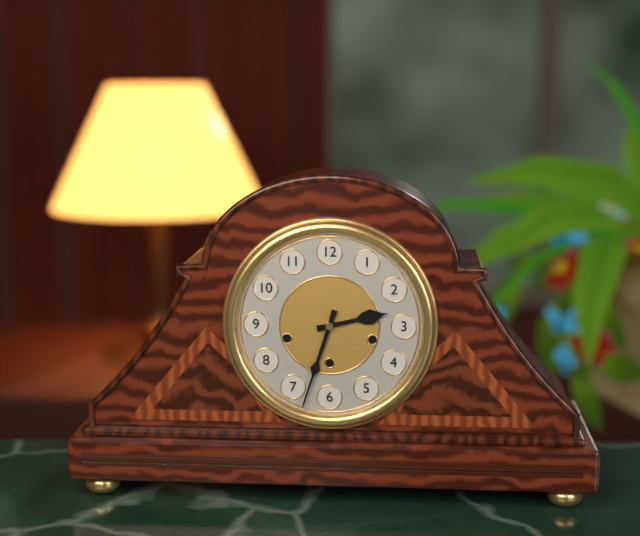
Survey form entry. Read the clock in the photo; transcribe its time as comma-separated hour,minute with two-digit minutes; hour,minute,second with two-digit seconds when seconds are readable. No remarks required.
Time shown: 2,33
